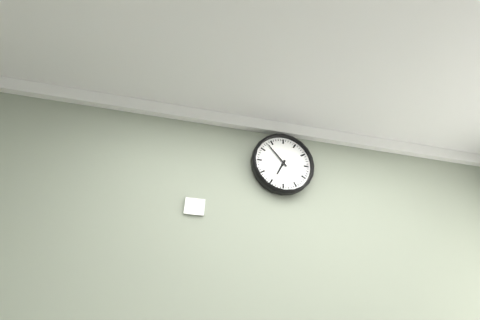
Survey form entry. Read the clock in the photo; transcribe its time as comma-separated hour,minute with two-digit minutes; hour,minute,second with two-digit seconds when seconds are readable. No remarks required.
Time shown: 6,53
